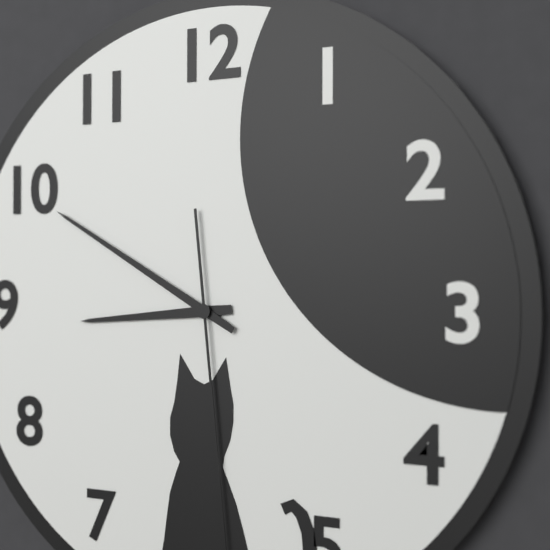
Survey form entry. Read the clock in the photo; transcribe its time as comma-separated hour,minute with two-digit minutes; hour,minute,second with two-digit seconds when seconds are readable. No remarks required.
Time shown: 8,50
